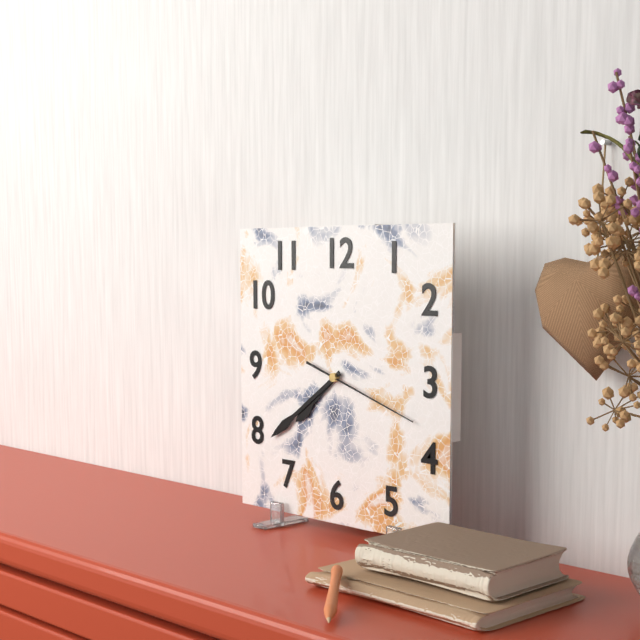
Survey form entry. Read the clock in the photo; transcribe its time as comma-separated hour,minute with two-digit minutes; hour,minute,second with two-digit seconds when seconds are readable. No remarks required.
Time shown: 7,39,18
